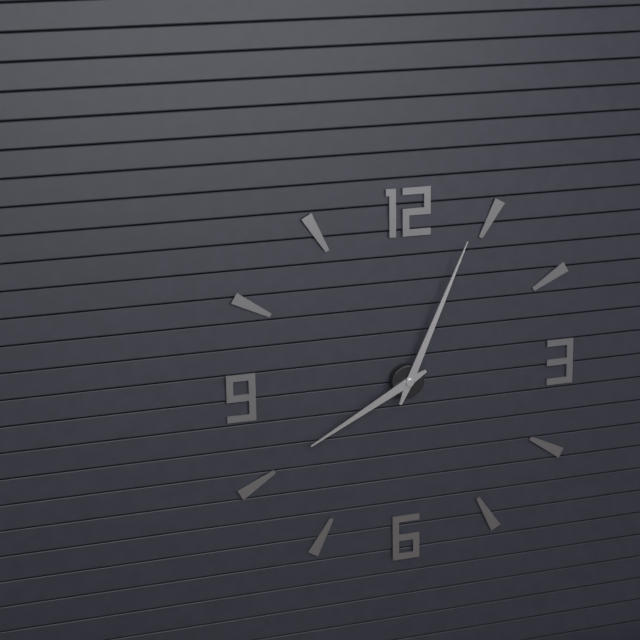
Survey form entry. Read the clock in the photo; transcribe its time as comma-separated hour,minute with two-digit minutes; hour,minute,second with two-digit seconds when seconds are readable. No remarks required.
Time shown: 8,04
